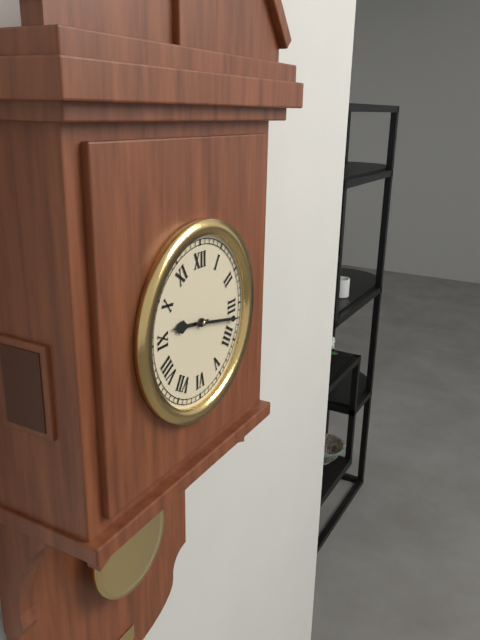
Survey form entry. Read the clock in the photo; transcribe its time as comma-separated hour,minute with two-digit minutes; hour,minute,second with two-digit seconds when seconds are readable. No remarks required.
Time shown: 9,17
